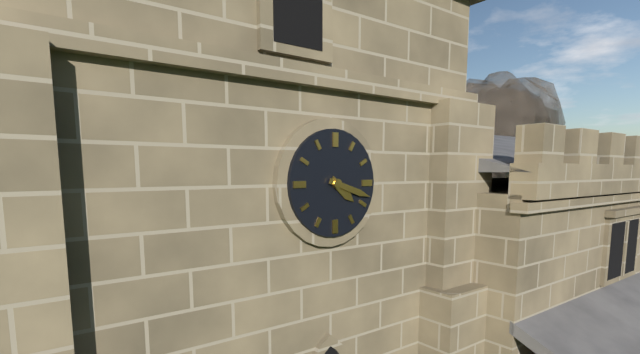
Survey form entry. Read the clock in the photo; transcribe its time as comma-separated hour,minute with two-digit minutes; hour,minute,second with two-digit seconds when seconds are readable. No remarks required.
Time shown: 4,18
